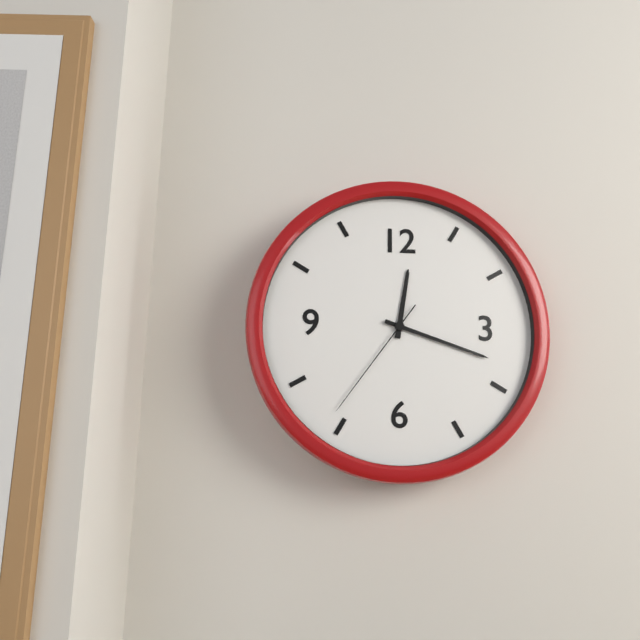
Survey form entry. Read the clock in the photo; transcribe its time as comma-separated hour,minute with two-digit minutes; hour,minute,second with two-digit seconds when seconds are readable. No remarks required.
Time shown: 12,18,36
